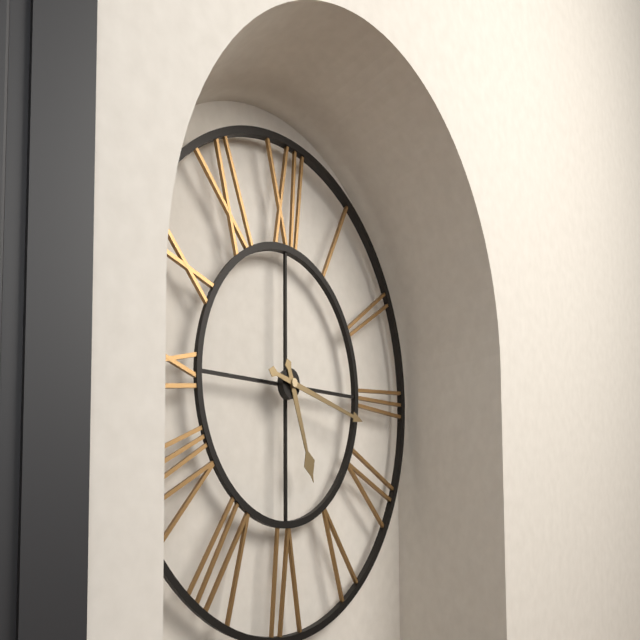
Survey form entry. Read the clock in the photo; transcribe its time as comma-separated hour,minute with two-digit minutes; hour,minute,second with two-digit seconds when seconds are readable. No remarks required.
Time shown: 5,17
